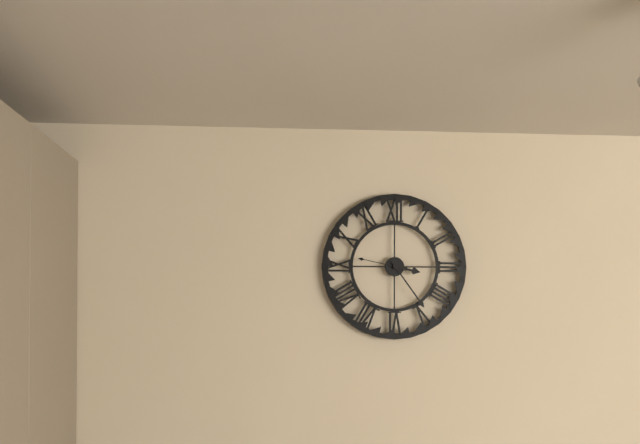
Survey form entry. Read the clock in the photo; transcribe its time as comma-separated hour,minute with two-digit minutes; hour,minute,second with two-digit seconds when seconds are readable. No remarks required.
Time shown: 3,24
